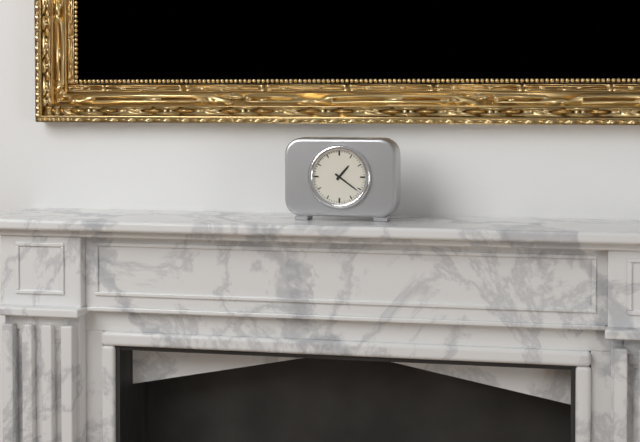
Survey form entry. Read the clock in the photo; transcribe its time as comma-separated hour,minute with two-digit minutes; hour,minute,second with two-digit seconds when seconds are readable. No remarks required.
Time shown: 1,21
